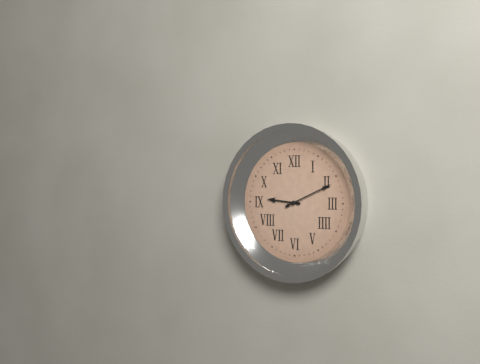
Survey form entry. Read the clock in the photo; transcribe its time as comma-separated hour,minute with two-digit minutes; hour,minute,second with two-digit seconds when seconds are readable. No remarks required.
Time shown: 9,11
